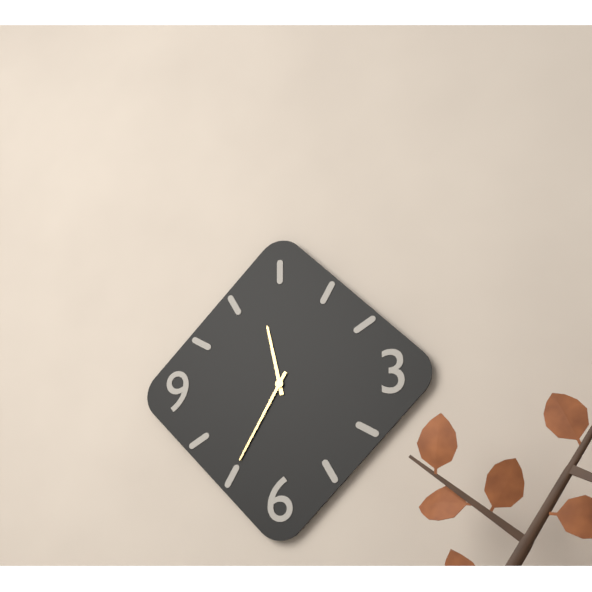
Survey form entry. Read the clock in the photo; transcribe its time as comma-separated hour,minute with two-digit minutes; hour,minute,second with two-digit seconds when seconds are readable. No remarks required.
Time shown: 11,35
